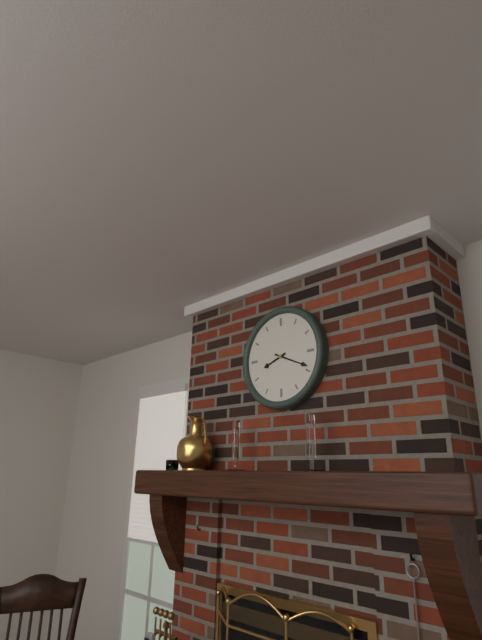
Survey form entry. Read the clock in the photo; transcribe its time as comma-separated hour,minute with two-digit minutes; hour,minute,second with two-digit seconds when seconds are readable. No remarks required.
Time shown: 8,19
